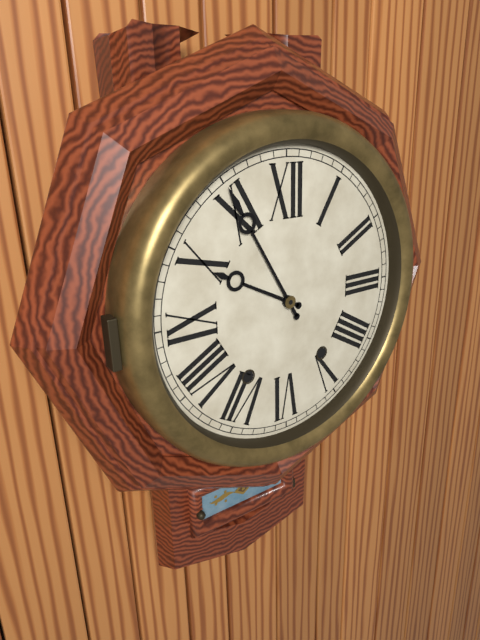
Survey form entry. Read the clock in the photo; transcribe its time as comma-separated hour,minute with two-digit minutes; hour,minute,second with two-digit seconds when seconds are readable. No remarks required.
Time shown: 9,55
